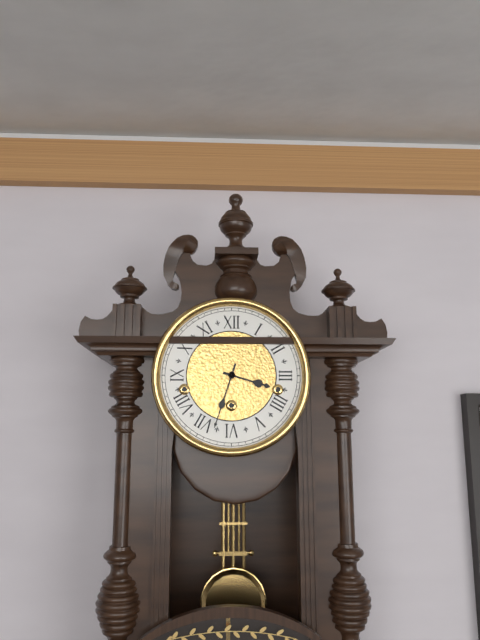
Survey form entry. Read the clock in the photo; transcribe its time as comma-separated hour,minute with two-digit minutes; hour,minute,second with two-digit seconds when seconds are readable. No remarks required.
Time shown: 3,33
